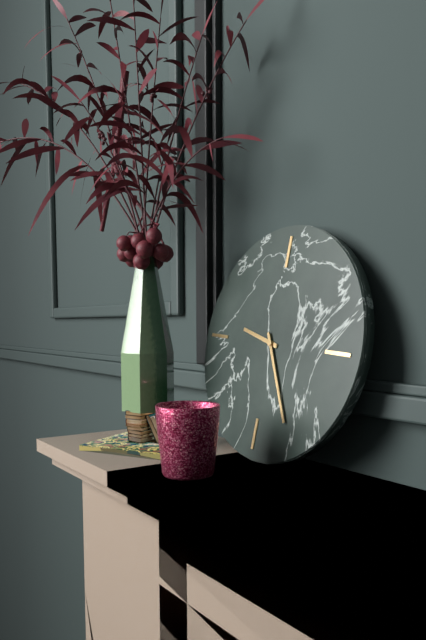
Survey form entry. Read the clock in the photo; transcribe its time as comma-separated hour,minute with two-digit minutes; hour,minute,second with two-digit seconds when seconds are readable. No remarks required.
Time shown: 9,25
